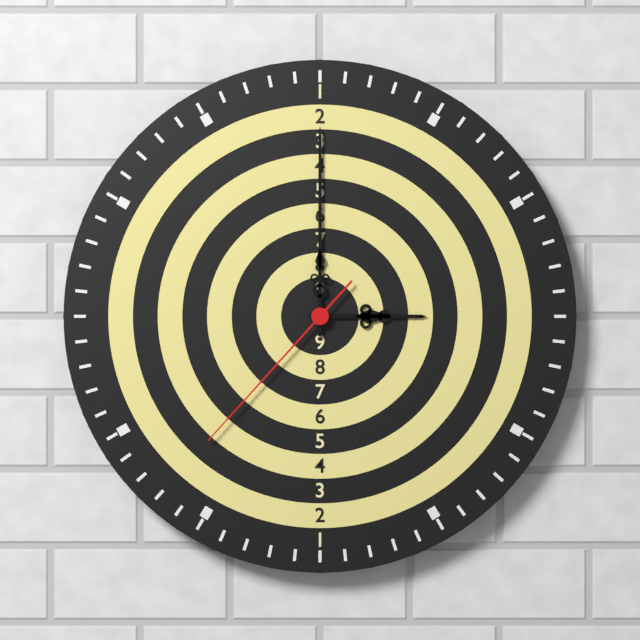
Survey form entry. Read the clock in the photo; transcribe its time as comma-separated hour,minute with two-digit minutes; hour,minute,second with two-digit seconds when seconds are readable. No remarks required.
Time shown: 3,00,37
